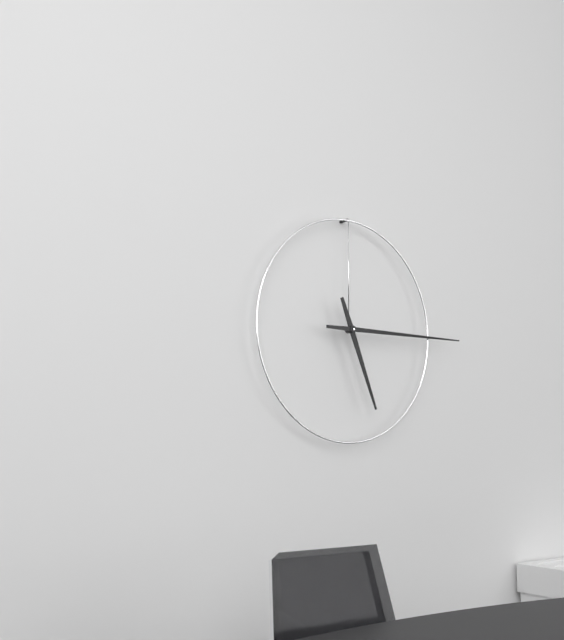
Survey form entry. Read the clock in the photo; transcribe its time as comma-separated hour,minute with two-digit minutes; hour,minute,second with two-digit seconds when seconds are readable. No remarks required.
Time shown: 5,15
